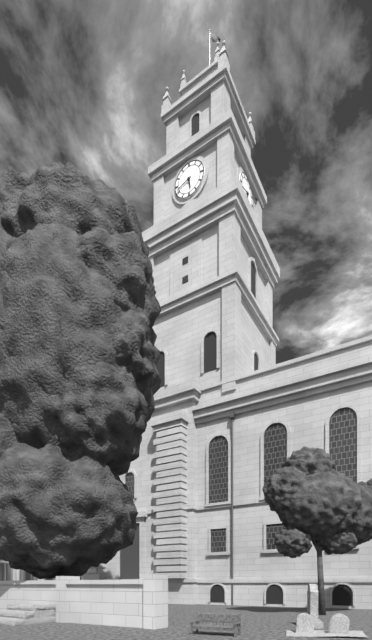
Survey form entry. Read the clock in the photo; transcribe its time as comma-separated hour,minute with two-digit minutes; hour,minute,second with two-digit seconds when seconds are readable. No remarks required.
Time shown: 5,42
